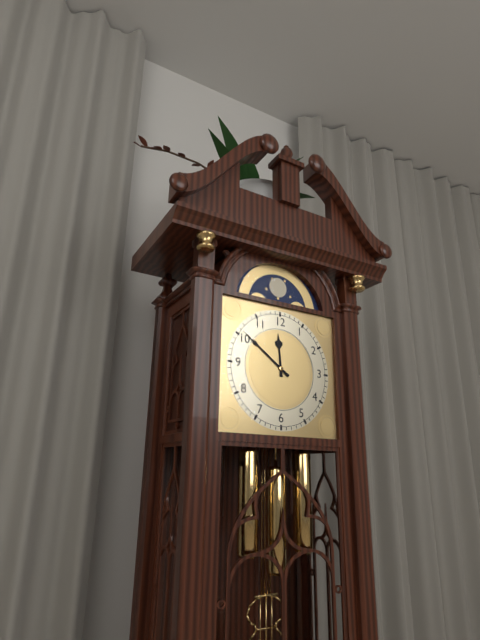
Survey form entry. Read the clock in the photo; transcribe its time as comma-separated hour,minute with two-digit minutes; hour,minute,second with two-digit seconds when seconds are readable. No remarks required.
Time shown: 11,51
